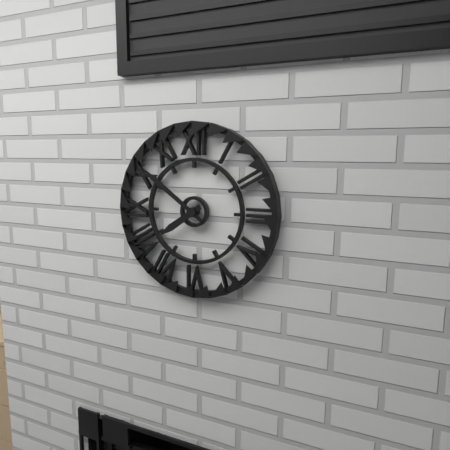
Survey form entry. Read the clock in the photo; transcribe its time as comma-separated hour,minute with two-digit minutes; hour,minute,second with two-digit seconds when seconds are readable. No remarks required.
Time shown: 7,51
